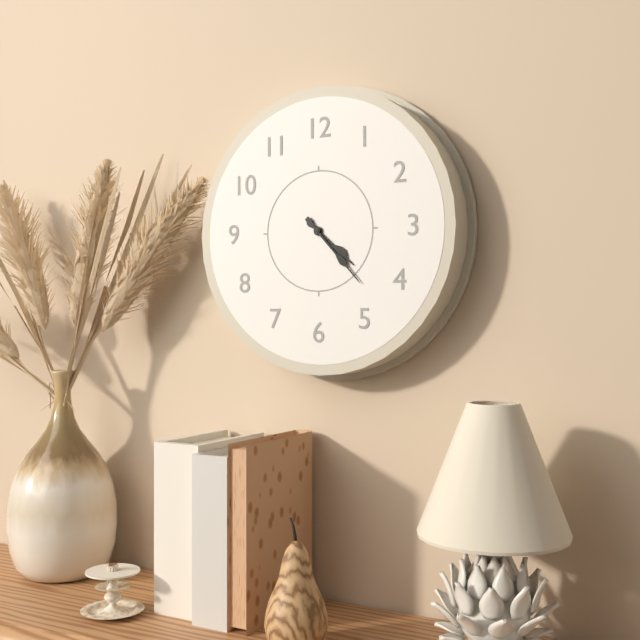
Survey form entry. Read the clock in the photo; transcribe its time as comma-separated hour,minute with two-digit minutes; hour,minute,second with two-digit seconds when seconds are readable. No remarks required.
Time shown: 4,23
